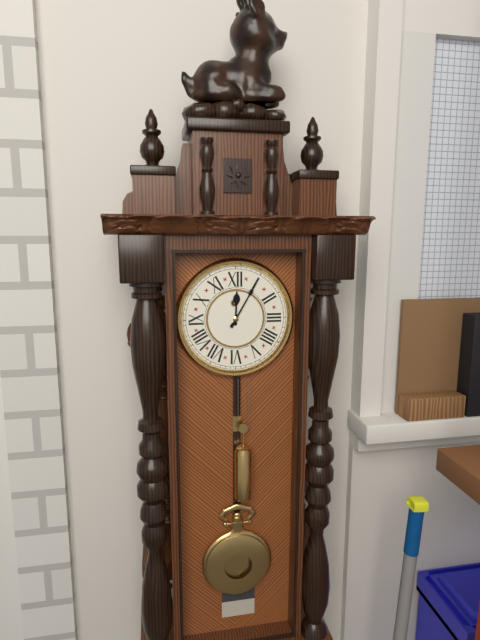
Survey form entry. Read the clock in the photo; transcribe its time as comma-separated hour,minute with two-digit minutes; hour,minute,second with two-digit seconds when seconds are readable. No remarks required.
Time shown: 12,05
